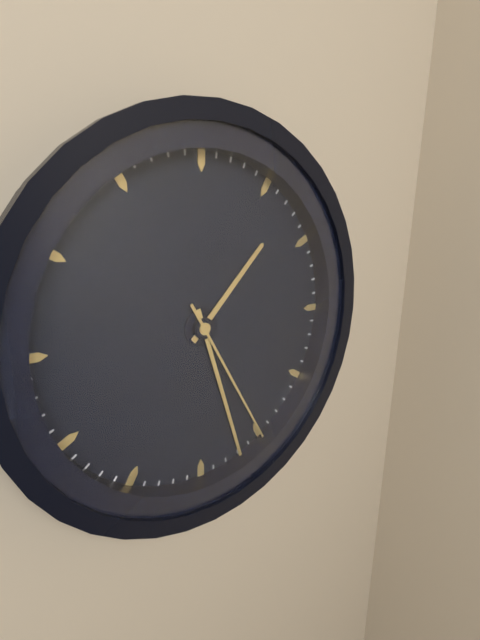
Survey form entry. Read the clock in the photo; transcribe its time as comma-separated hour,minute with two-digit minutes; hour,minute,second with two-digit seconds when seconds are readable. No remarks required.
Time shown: 1,27,25
